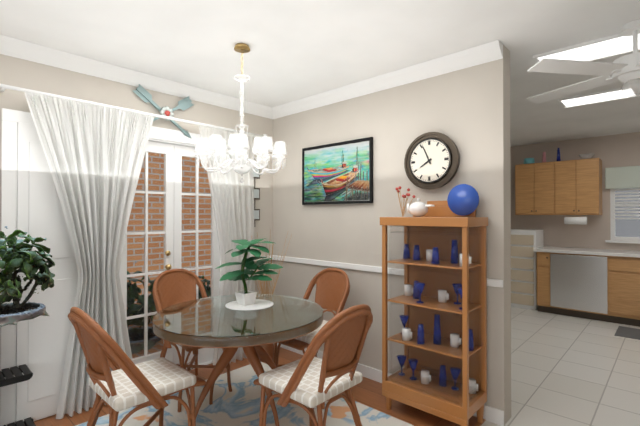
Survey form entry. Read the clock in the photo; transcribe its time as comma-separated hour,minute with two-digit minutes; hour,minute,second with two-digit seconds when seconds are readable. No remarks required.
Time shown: 7,56
